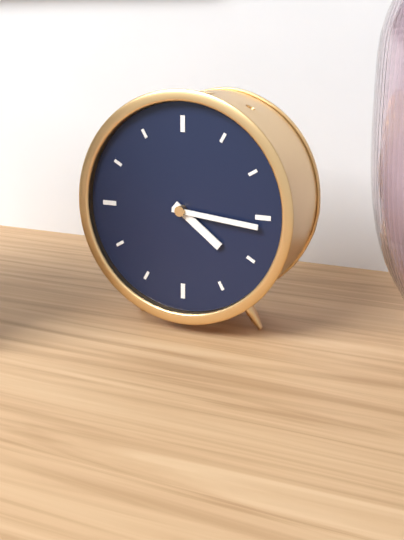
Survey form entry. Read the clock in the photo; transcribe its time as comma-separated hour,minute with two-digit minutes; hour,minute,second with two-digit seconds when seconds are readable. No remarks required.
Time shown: 4,16
